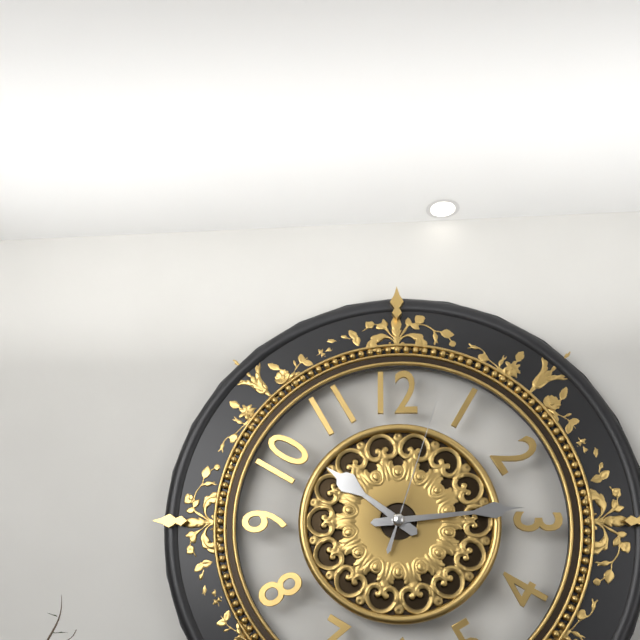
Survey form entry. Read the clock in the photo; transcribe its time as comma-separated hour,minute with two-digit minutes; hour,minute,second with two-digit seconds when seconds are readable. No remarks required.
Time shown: 10,14,03
